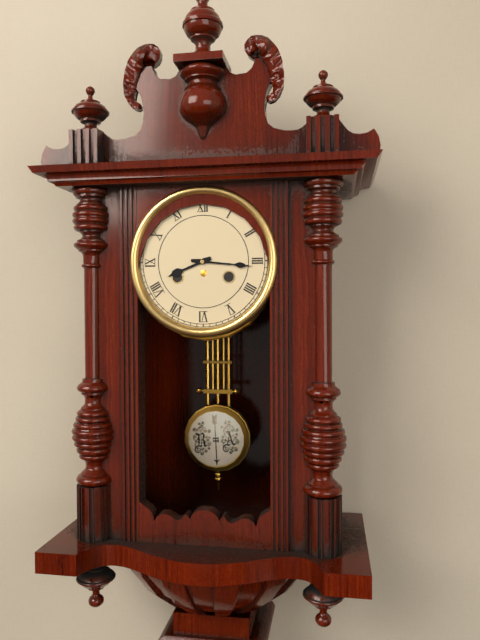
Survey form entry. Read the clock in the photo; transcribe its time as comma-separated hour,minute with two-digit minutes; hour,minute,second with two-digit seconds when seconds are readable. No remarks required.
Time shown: 8,16
